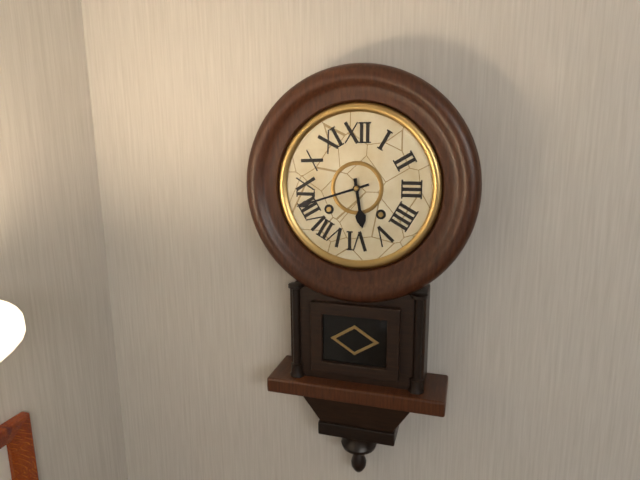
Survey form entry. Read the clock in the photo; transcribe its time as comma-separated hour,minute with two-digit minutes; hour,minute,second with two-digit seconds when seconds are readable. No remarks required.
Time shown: 5,42
